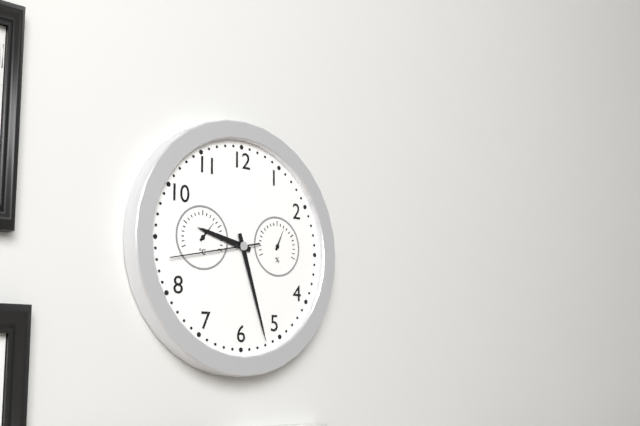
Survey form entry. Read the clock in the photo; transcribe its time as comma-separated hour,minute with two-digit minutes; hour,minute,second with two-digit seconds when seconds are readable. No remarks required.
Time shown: 9,27,43
